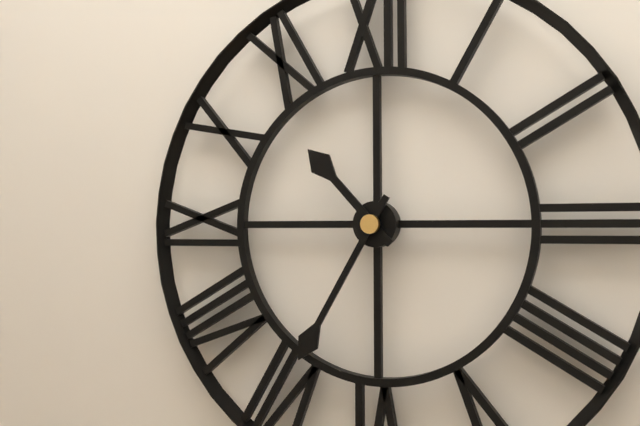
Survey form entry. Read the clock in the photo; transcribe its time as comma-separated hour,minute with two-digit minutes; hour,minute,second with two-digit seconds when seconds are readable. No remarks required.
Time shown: 10,35
